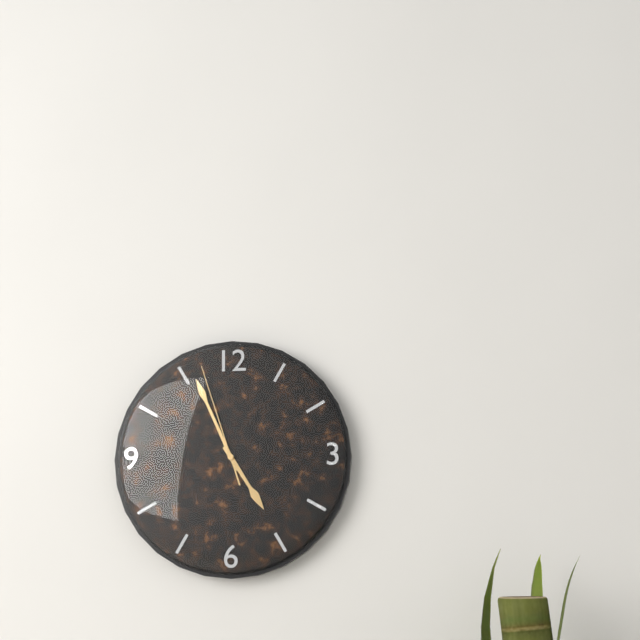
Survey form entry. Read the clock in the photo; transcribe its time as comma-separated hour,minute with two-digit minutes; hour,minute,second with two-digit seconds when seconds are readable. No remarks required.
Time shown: 4,56,57
